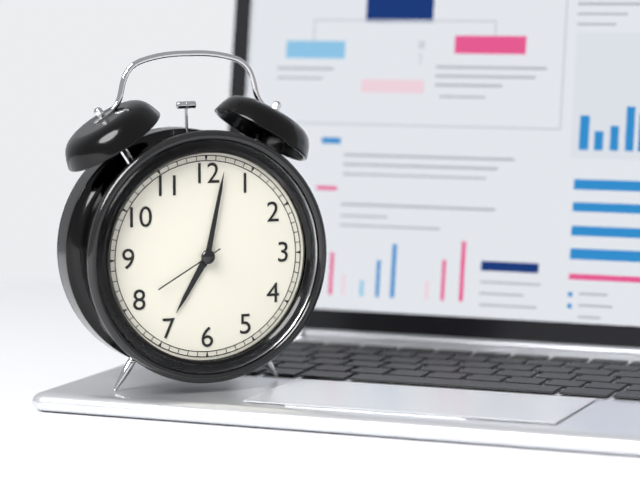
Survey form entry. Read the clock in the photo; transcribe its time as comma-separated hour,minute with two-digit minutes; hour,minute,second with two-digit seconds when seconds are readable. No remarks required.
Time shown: 7,02,40
